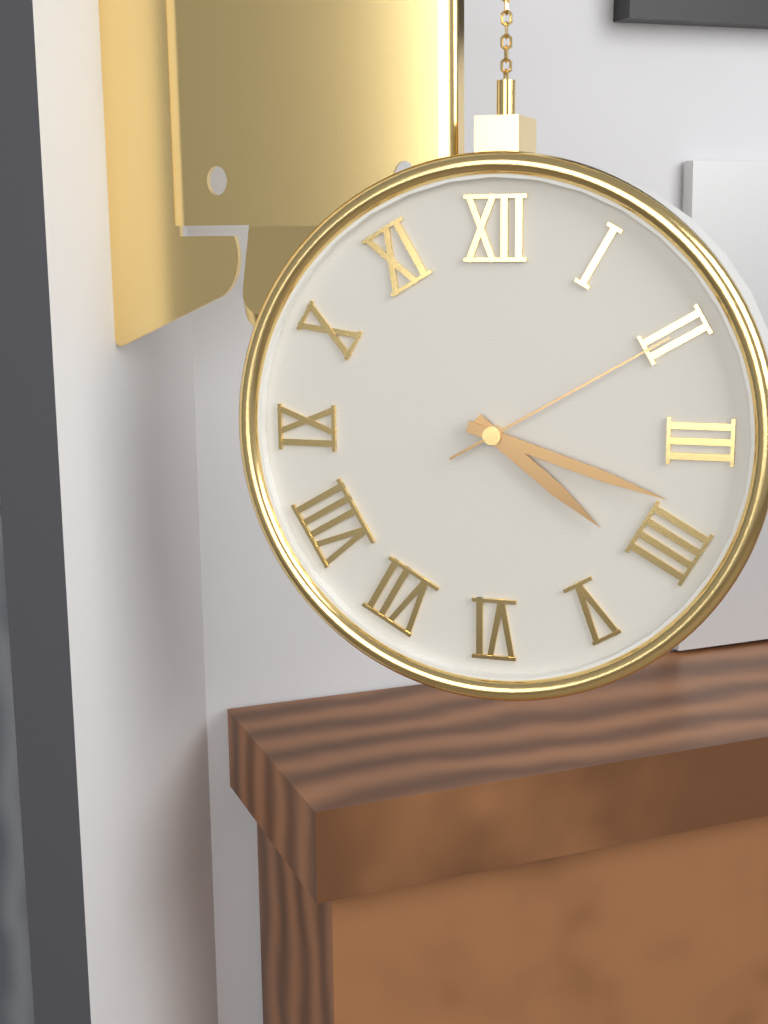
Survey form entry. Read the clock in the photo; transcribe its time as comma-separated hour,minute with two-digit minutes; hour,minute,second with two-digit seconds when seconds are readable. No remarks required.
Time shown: 4,18,10
